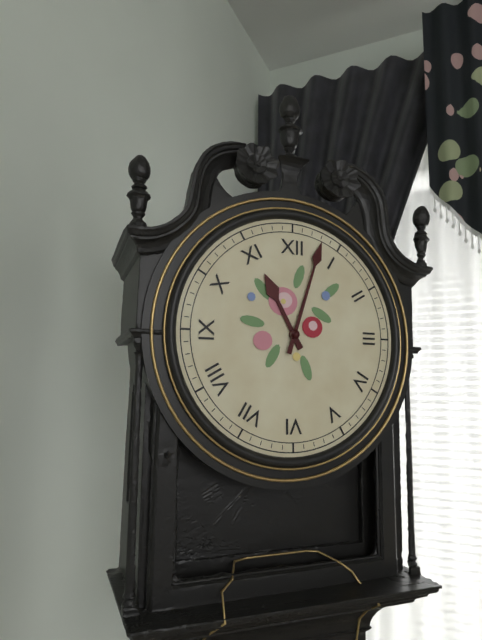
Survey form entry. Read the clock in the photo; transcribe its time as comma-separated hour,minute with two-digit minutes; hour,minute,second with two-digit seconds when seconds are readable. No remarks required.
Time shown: 11,03
